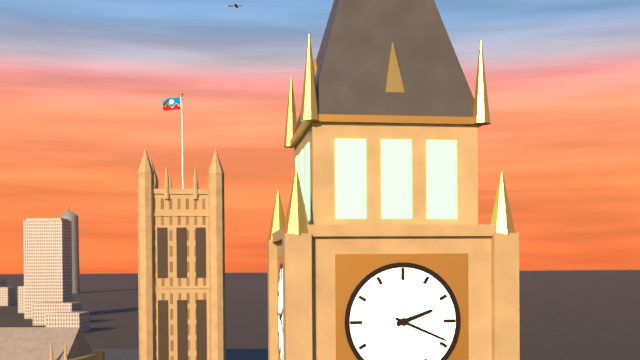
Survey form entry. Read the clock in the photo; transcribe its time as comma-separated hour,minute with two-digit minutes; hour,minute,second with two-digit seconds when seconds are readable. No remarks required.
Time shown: 2,19
